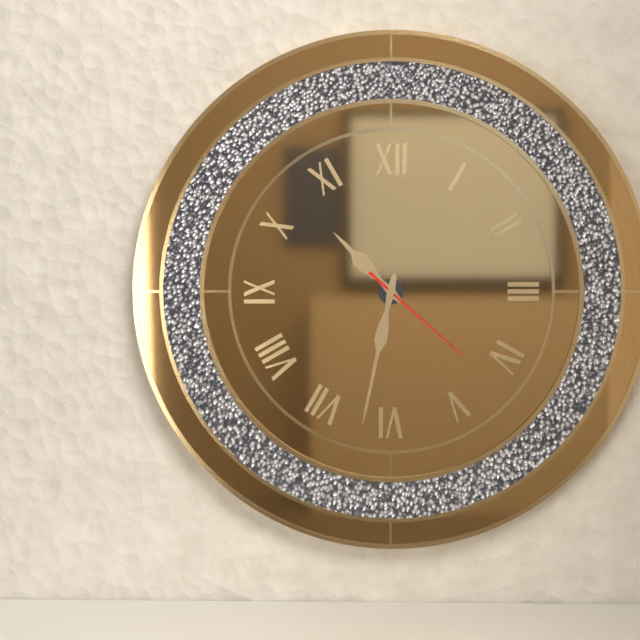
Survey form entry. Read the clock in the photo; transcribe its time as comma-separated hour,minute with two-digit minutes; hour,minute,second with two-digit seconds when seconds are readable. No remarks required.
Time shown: 10,32,22
